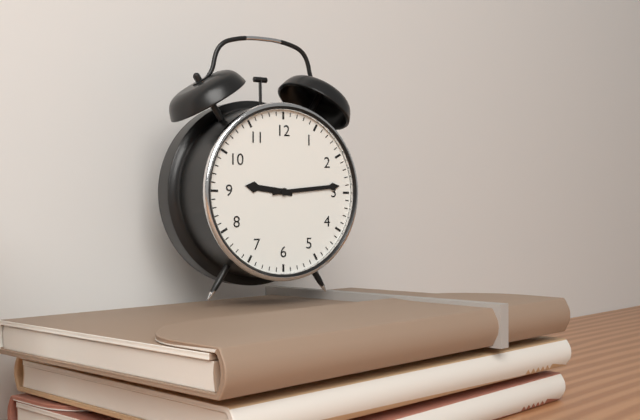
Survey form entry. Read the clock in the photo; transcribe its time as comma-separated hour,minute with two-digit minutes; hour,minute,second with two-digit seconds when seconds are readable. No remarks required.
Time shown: 9,14
